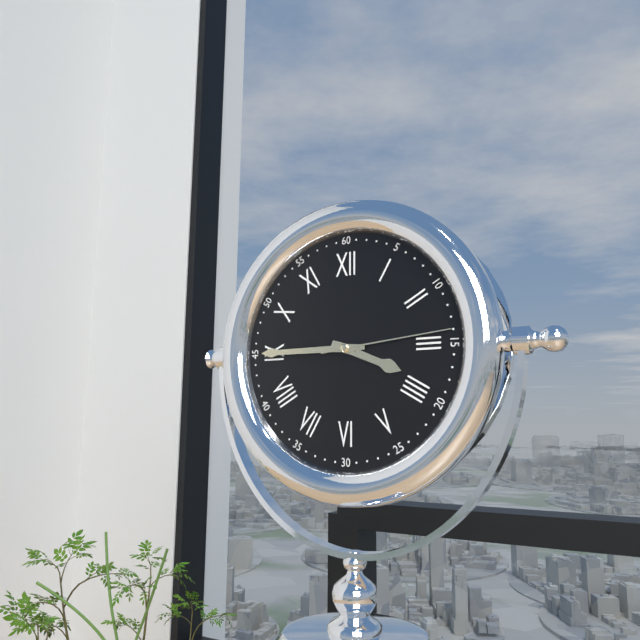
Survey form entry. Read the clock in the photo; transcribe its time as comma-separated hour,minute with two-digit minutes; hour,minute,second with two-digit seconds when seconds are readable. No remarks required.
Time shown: 3,45,14
